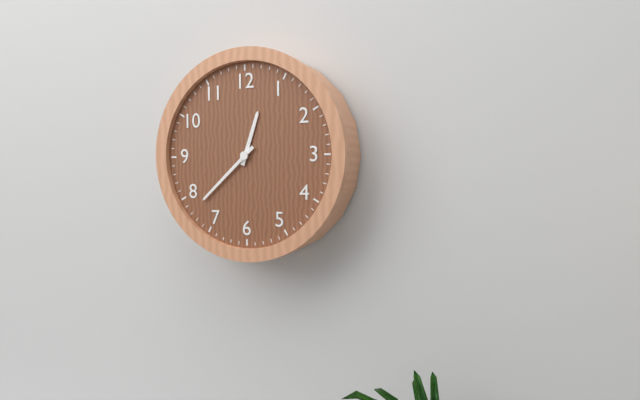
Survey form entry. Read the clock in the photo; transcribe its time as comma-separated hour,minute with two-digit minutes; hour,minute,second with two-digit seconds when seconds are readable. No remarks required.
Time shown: 12,38
